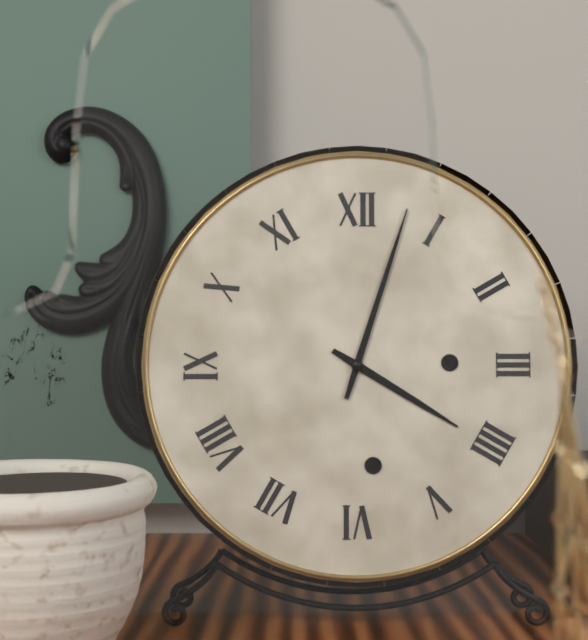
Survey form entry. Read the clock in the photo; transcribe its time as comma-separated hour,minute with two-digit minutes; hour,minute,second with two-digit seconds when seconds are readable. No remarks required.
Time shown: 4,03
